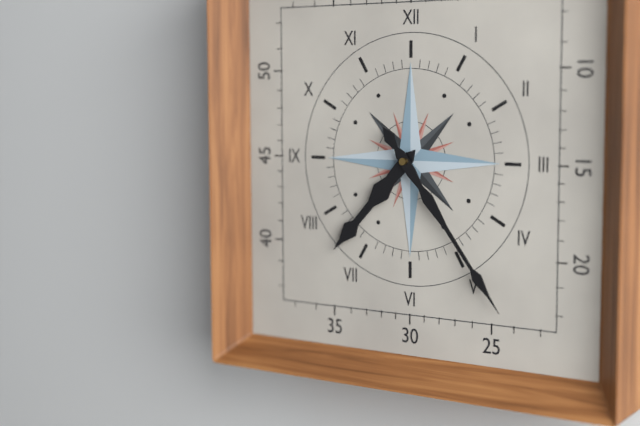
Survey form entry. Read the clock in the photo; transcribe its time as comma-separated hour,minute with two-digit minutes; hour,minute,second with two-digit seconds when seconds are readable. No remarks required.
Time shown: 7,24
